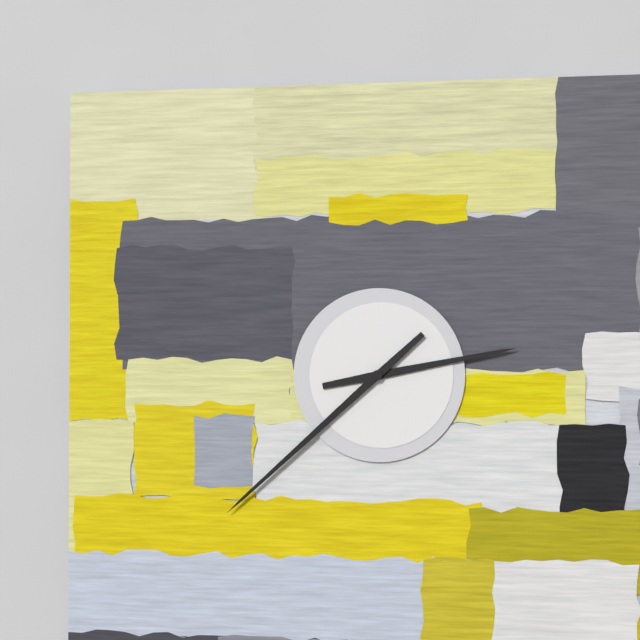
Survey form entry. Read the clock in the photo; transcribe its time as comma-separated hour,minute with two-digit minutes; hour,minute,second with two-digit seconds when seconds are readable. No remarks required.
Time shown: 2,38
